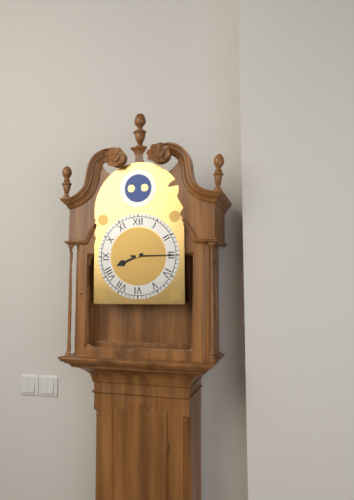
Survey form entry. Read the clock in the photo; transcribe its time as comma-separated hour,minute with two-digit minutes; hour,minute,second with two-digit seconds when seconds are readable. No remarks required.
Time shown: 8,15
